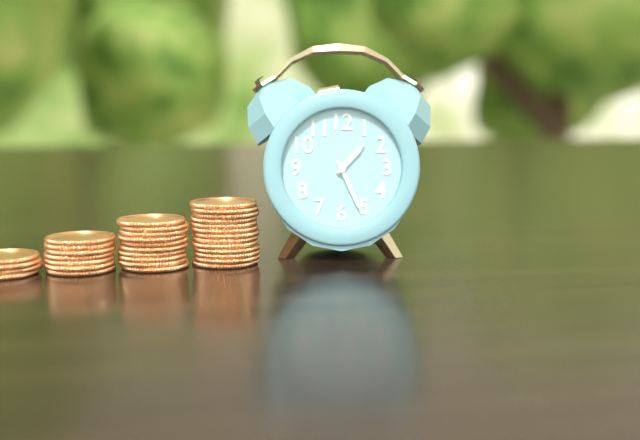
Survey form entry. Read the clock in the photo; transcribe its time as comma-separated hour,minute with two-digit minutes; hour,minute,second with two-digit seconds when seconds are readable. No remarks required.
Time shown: 1,26
